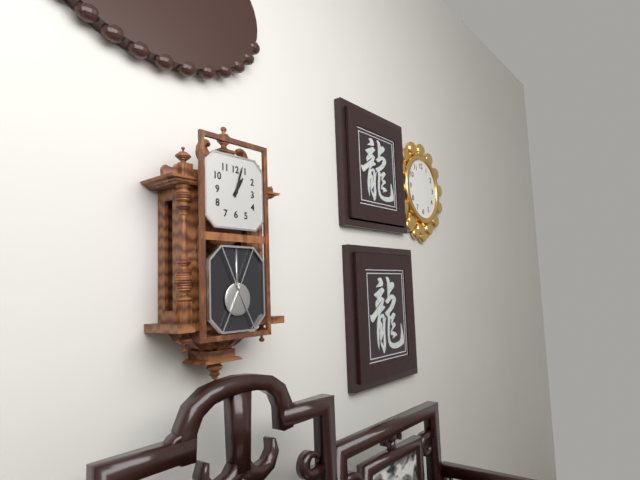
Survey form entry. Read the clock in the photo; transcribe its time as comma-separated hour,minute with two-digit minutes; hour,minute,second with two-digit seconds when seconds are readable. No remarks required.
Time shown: 1,03
